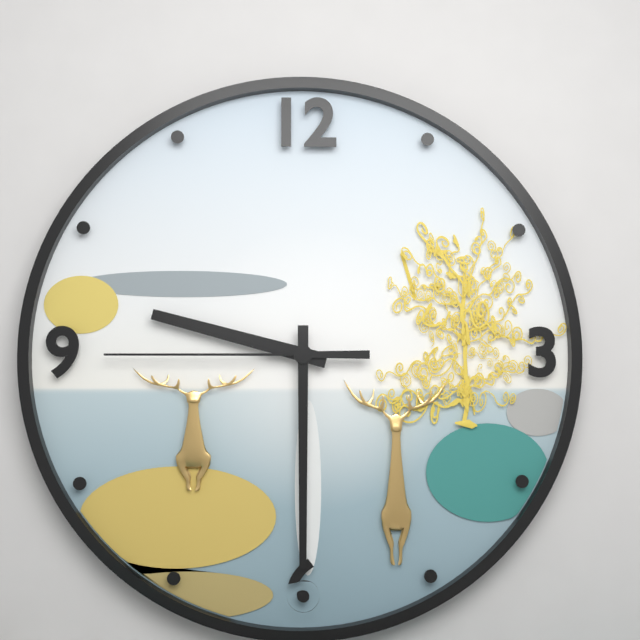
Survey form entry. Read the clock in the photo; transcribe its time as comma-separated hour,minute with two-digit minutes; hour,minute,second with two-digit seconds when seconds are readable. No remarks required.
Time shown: 9,30,45
